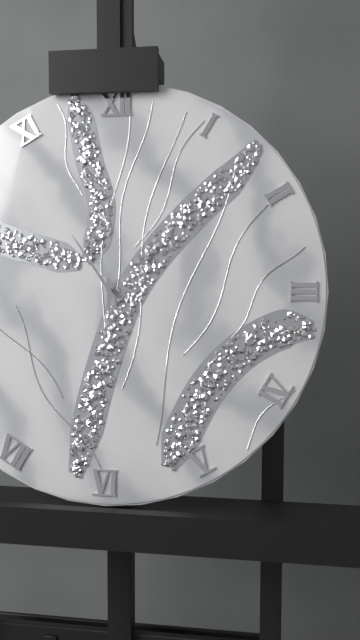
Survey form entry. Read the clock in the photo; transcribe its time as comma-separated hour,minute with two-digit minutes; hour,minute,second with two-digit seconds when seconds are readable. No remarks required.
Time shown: 5,54
